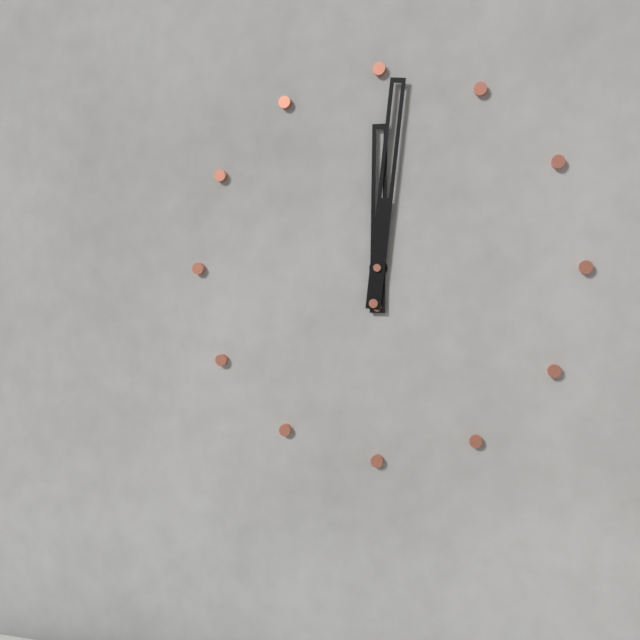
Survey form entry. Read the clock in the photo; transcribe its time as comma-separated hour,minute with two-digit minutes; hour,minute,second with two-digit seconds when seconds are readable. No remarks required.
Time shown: 12,01
